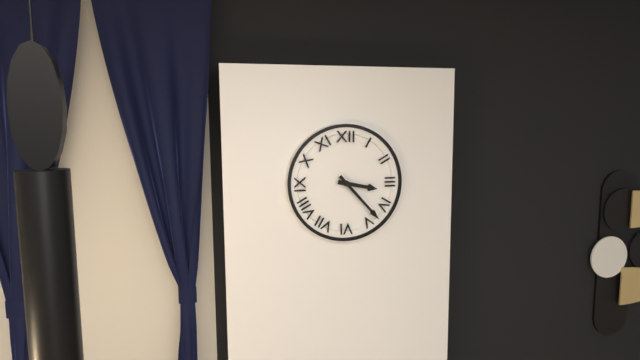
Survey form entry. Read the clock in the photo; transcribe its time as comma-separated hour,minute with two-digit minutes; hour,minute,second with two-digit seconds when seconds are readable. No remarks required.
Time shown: 3,23
